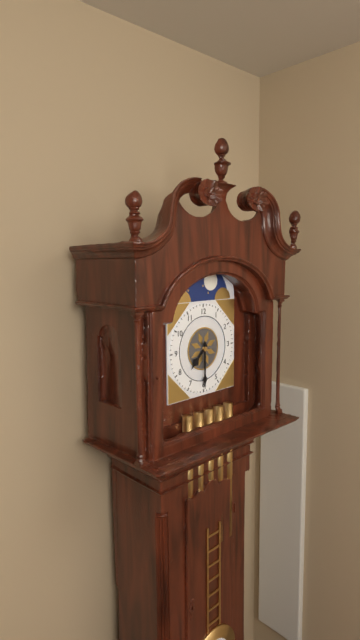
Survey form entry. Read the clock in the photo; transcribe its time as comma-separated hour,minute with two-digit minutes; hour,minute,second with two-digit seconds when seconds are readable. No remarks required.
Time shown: 7,30
